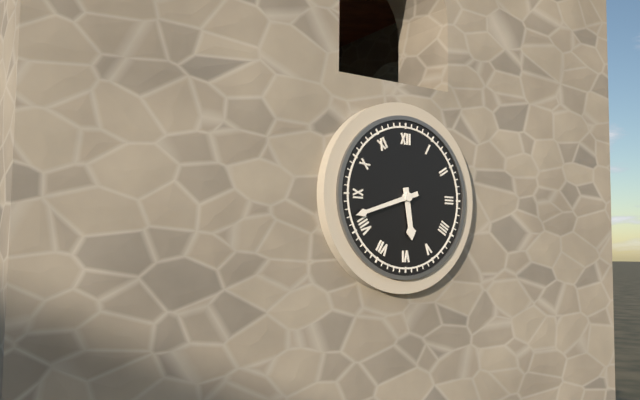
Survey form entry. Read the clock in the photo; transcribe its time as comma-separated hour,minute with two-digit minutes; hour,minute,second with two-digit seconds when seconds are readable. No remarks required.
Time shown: 5,42
